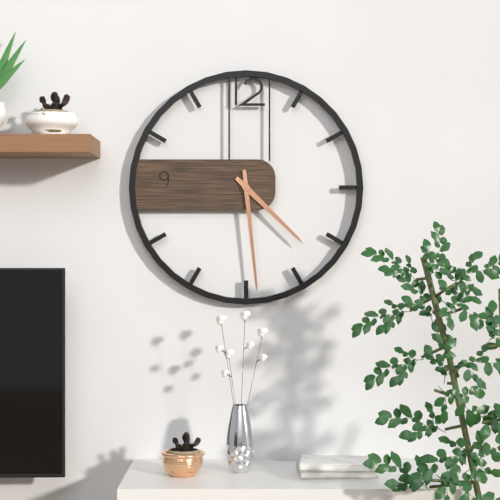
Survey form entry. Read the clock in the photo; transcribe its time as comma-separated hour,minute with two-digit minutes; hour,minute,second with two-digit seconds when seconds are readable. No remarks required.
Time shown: 4,29
